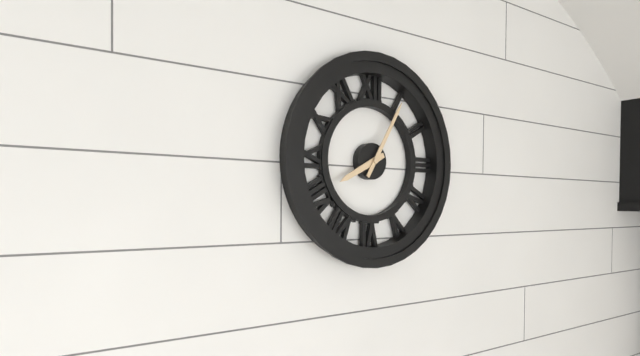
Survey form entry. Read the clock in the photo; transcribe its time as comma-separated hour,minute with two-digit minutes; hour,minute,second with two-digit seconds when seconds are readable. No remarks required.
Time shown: 8,05
